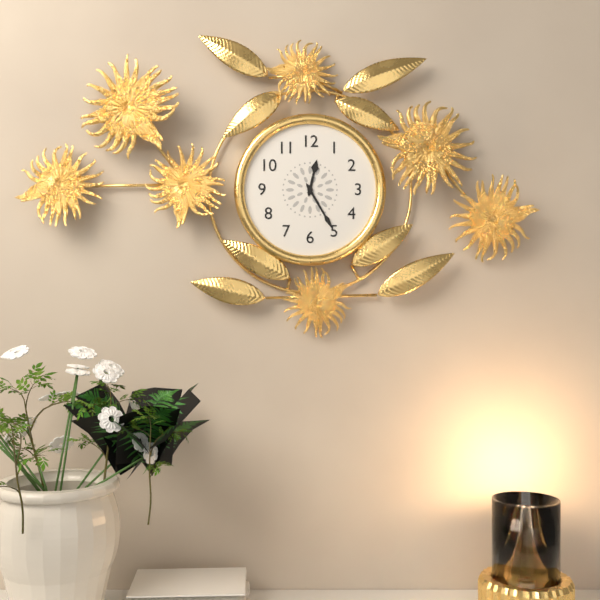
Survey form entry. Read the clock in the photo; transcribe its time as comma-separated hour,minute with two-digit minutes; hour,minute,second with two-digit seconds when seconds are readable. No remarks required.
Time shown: 12,25
